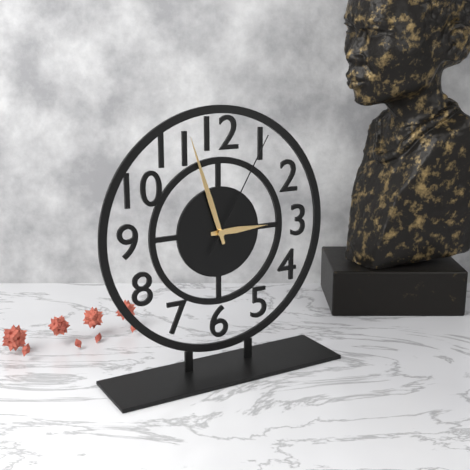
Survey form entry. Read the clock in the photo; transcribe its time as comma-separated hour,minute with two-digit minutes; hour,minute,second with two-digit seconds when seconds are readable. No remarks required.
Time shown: 2,57,05
